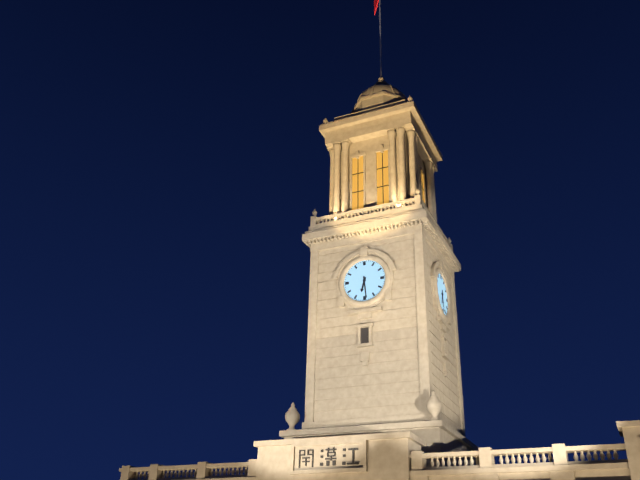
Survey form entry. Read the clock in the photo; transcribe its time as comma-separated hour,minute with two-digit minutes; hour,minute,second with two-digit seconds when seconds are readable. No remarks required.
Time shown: 6,29
